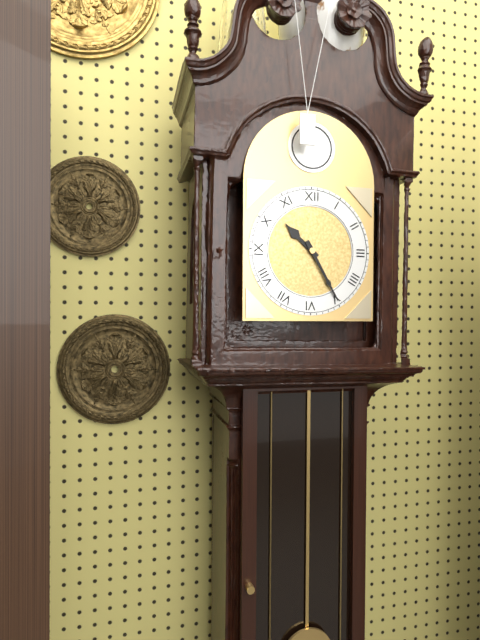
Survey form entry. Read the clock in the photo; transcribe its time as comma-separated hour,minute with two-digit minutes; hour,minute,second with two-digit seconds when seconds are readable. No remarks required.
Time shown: 10,25
